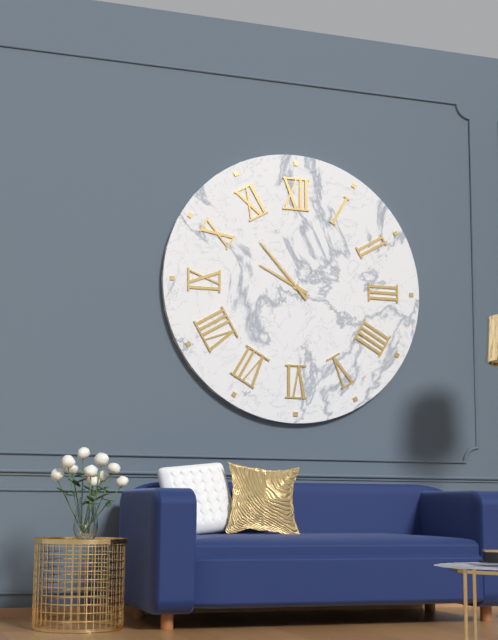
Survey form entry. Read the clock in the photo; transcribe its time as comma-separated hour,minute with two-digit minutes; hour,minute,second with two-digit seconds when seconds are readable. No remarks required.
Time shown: 9,53
